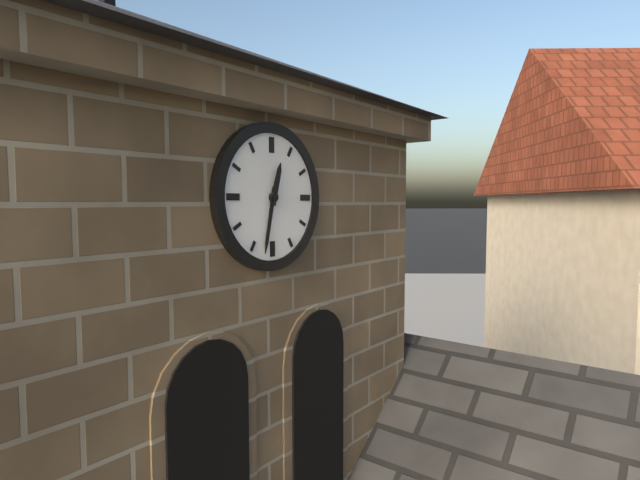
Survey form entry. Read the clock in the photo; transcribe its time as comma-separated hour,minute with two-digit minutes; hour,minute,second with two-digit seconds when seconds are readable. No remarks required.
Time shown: 12,32
